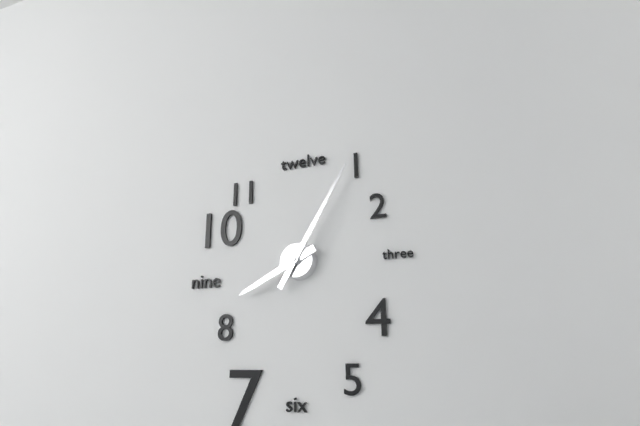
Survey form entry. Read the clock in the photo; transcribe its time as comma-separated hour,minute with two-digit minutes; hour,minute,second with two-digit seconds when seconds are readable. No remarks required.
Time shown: 8,05
